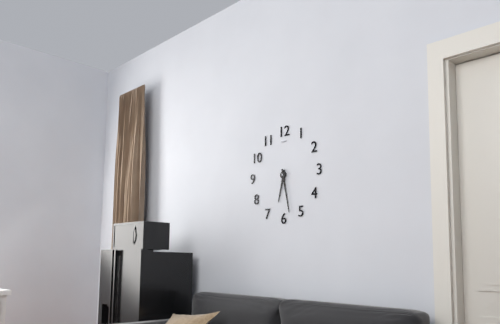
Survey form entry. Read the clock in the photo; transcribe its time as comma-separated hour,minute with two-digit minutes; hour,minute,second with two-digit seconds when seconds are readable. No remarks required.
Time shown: 6,28
